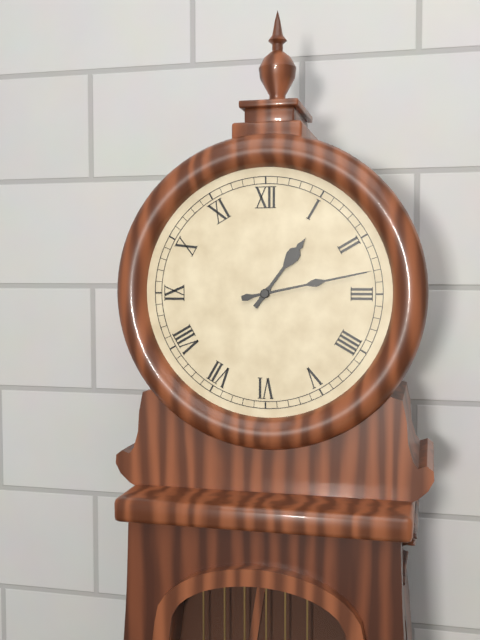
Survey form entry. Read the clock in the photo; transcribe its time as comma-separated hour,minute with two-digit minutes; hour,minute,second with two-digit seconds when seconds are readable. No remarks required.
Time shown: 1,13
